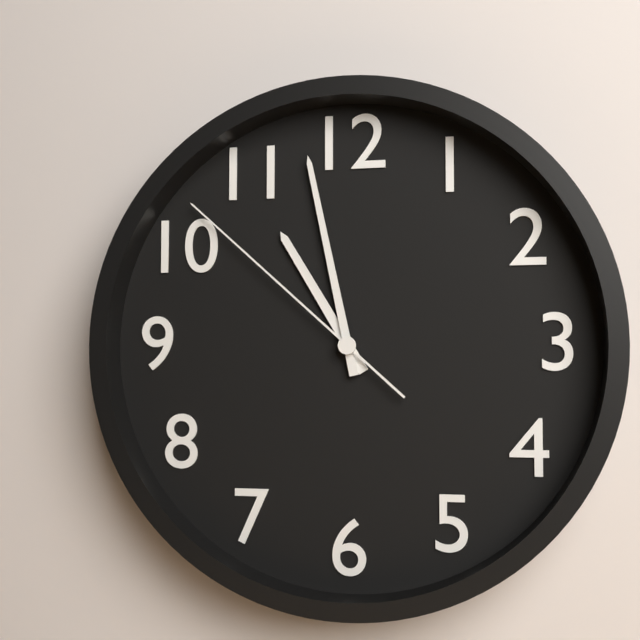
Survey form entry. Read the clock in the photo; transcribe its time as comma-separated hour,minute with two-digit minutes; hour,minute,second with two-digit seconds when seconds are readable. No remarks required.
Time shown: 10,58,52
